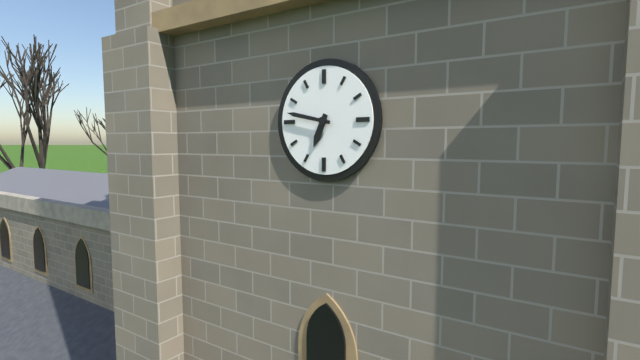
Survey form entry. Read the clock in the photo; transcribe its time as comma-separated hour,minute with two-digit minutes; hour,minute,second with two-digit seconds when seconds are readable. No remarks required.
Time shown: 6,47
